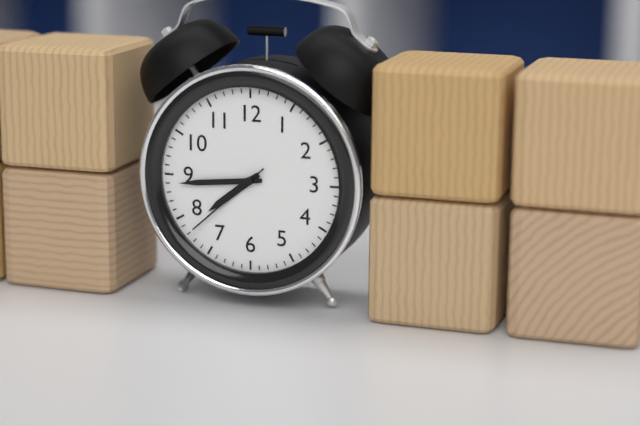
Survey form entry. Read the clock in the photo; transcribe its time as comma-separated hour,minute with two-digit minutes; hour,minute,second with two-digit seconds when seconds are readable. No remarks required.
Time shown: 7,44,38
